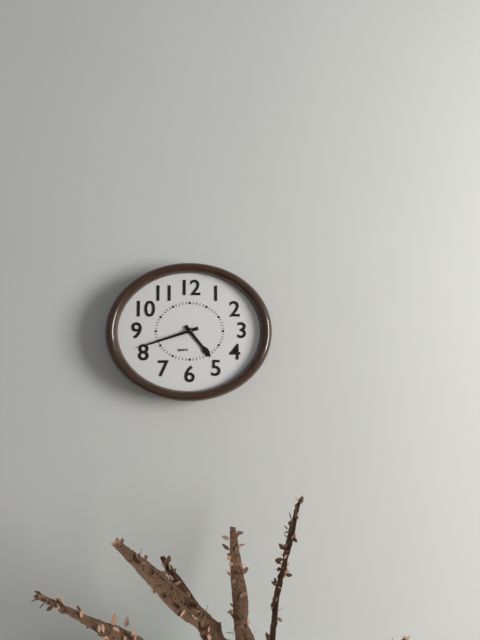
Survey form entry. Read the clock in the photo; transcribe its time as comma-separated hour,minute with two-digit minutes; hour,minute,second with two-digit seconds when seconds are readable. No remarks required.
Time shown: 4,42
